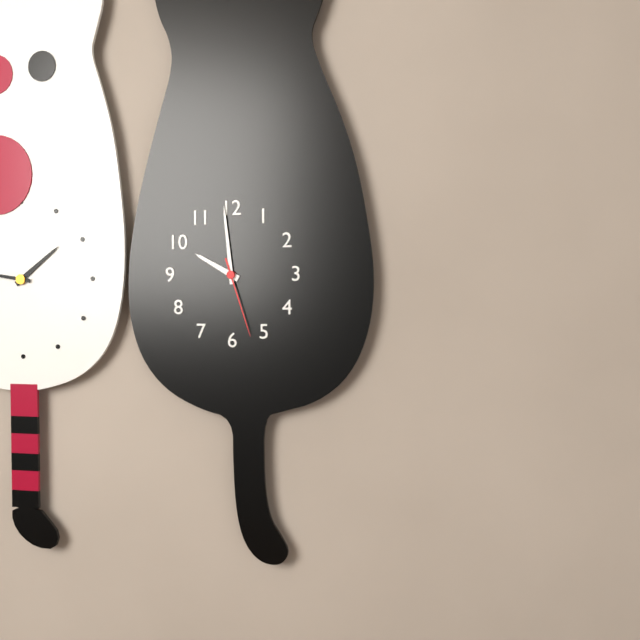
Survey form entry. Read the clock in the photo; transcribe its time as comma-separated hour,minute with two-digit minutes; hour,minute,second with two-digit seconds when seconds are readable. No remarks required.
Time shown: 9,59,27
